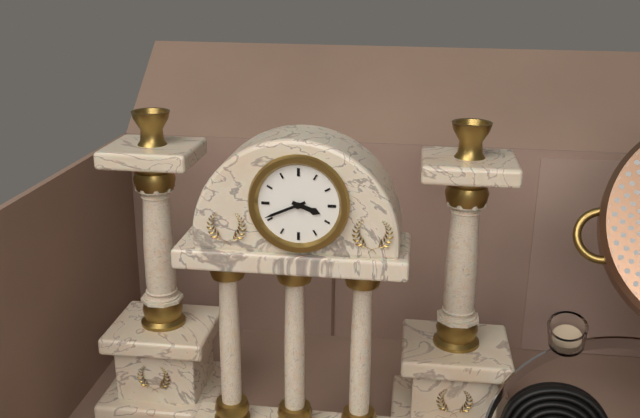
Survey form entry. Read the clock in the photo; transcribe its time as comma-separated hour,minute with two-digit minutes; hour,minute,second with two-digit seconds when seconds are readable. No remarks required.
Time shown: 3,41
